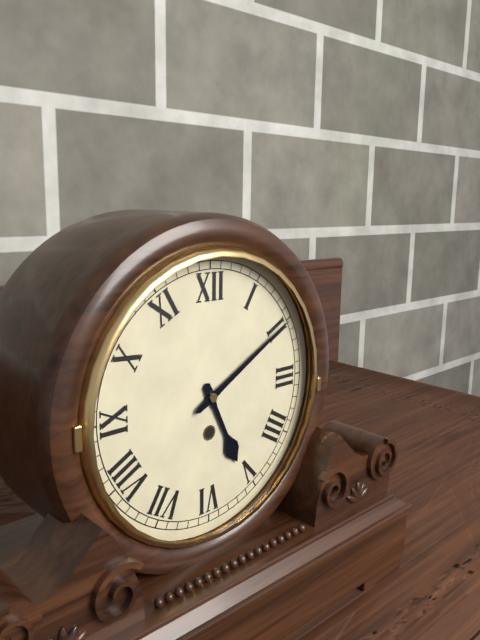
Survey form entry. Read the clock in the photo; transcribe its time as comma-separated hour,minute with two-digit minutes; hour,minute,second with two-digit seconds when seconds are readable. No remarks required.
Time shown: 5,10
